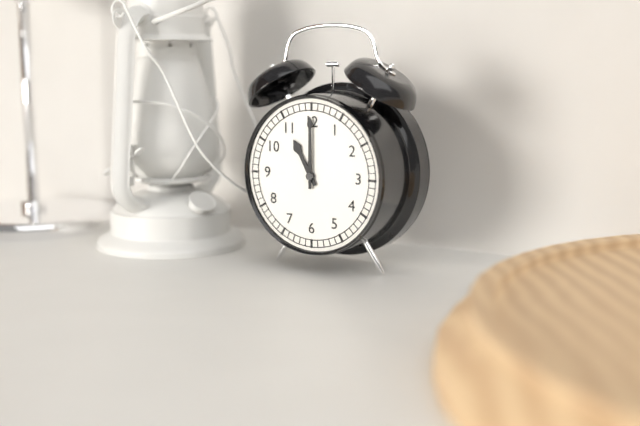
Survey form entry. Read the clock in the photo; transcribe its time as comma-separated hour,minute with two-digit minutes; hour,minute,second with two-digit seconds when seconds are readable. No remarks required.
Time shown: 11,00
